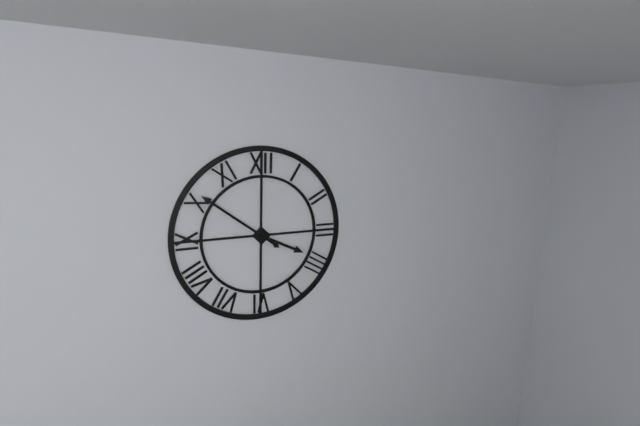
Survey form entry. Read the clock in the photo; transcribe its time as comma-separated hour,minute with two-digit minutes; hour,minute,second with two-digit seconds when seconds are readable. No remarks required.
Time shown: 3,51
